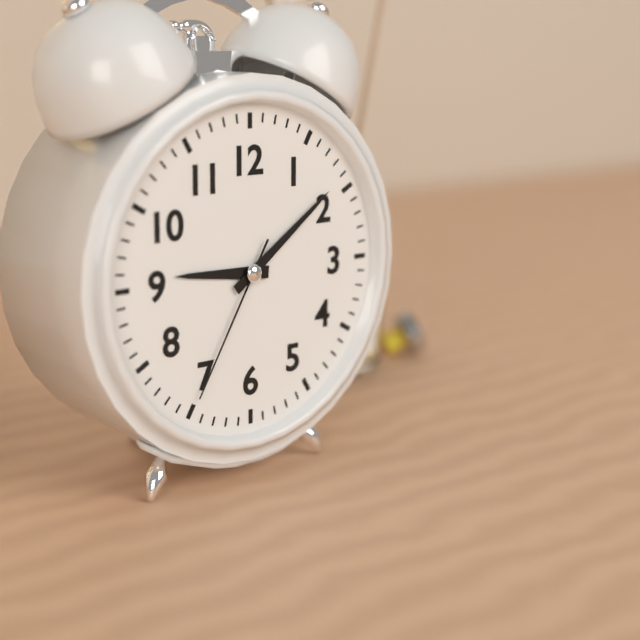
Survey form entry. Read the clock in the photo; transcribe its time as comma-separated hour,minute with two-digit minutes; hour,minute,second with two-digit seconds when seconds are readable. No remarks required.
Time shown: 9,09,35
